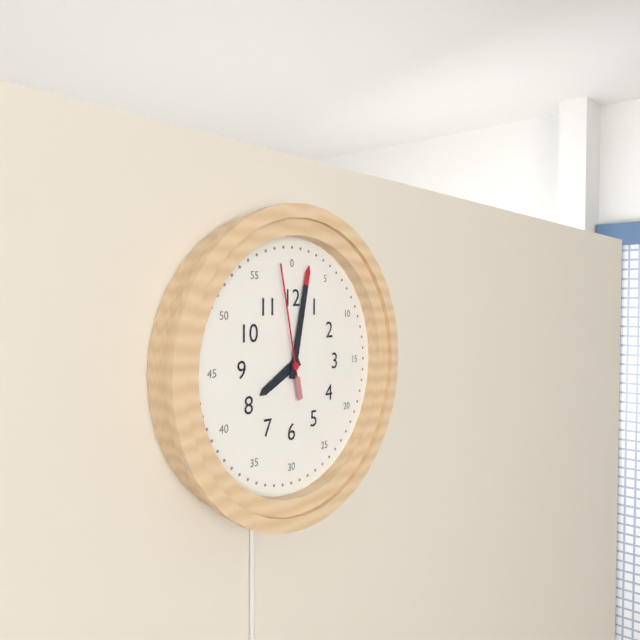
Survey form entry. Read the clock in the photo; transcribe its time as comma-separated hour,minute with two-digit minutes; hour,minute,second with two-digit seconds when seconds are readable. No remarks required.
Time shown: 8,02,58
